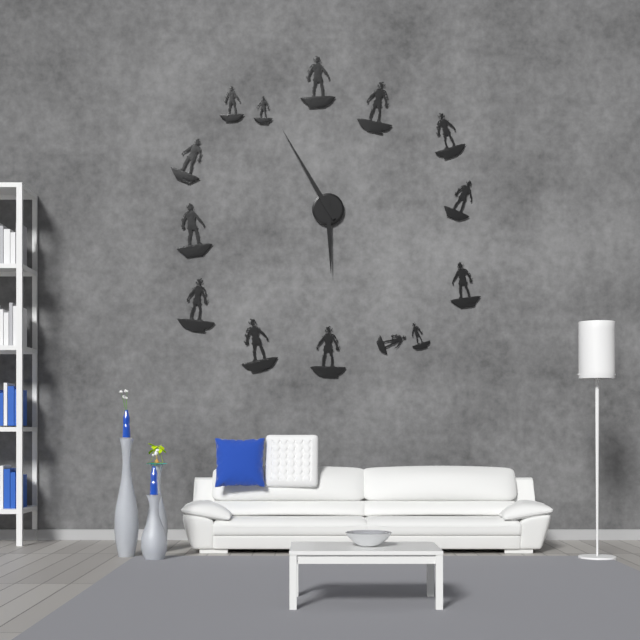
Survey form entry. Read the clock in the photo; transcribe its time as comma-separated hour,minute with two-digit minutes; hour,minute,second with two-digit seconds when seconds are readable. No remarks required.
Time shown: 5,55
